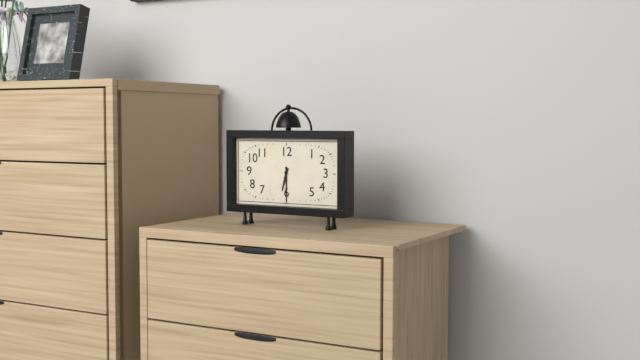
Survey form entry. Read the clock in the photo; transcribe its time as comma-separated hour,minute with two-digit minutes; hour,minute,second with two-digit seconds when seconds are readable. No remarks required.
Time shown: 6,30
